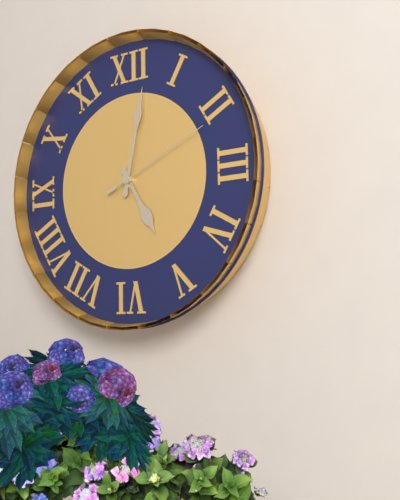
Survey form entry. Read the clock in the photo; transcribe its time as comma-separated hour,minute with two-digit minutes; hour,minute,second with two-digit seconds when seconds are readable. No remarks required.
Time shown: 5,02,11
